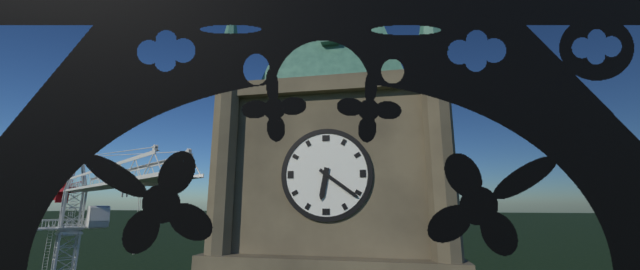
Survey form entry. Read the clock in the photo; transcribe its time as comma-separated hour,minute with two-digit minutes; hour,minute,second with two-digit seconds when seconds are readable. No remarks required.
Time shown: 6,21
